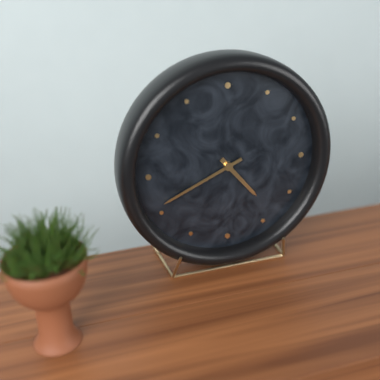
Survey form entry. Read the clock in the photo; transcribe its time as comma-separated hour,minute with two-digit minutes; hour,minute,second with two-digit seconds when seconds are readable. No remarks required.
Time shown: 4,41
